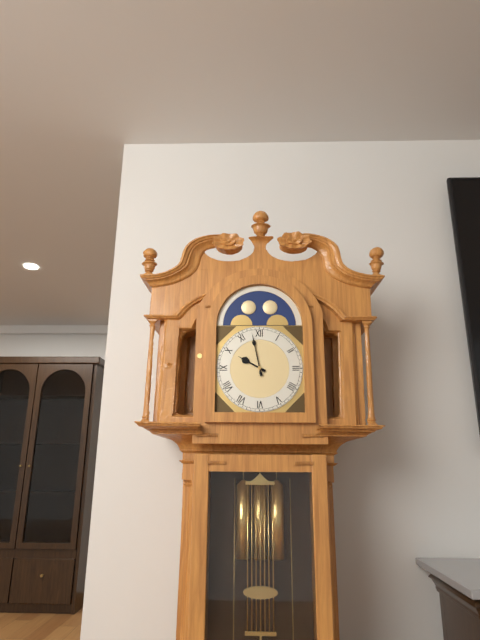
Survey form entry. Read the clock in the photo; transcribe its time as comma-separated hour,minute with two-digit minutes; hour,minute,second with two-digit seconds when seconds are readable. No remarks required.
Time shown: 9,58
